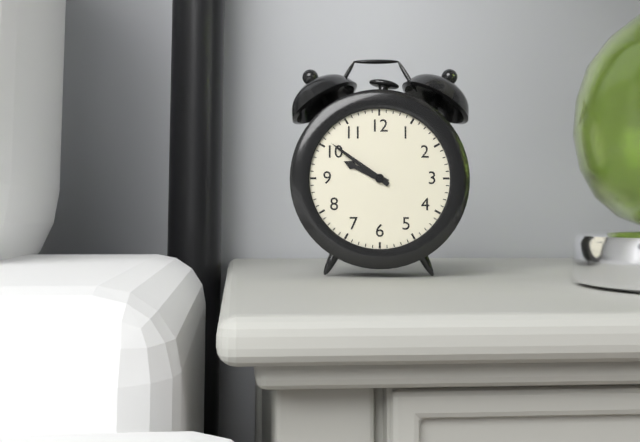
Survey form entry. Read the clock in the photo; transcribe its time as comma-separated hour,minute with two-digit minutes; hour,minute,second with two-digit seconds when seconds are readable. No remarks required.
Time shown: 9,51
